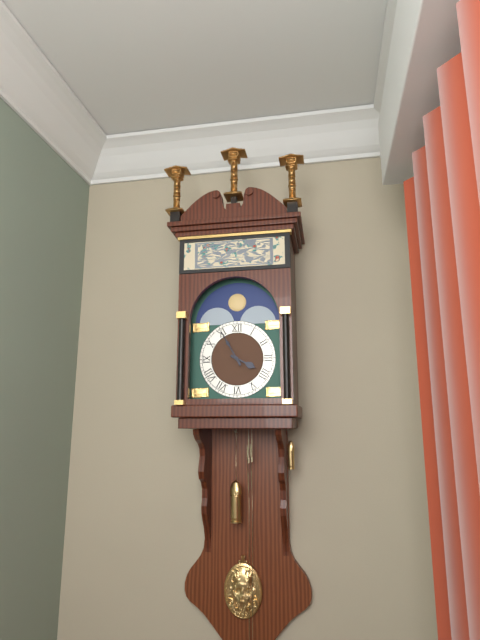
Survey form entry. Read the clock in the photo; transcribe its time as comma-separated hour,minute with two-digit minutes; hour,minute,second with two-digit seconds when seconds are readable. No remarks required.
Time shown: 3,55
